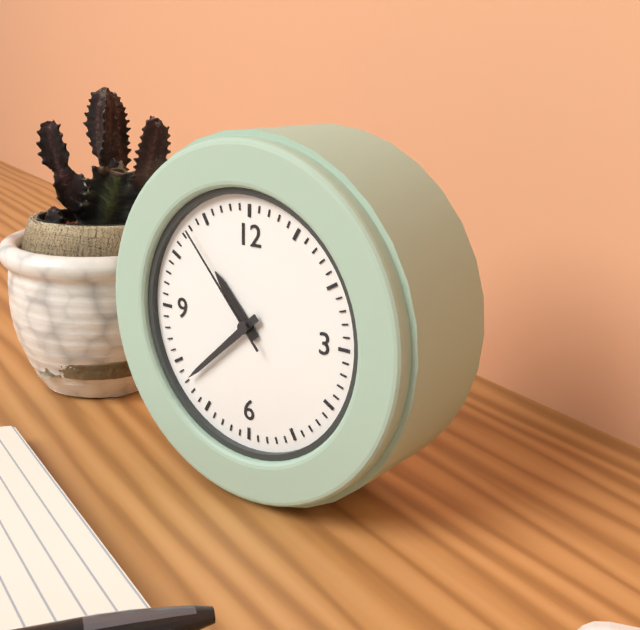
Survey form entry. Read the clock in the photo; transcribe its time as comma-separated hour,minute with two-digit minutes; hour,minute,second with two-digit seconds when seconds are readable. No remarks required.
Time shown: 10,38,53
